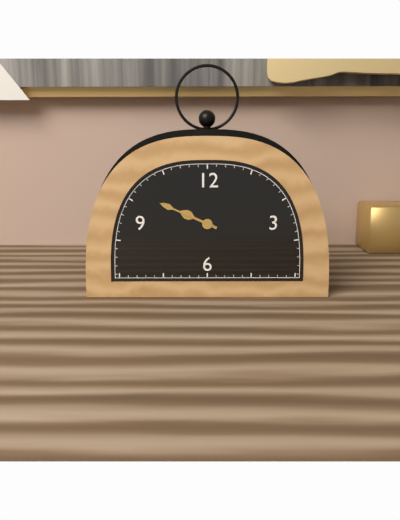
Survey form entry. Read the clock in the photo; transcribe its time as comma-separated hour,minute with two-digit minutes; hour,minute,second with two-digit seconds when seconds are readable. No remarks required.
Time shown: 9,49
